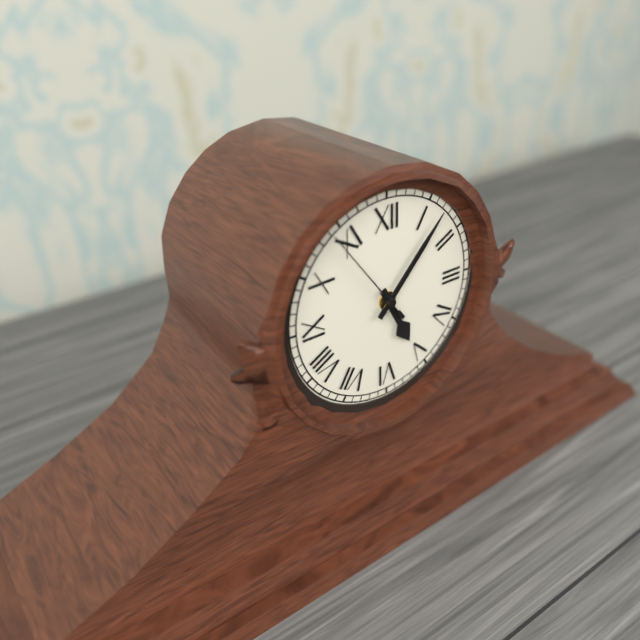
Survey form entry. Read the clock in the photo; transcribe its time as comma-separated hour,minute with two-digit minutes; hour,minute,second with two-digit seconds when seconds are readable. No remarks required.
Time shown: 5,07,54
